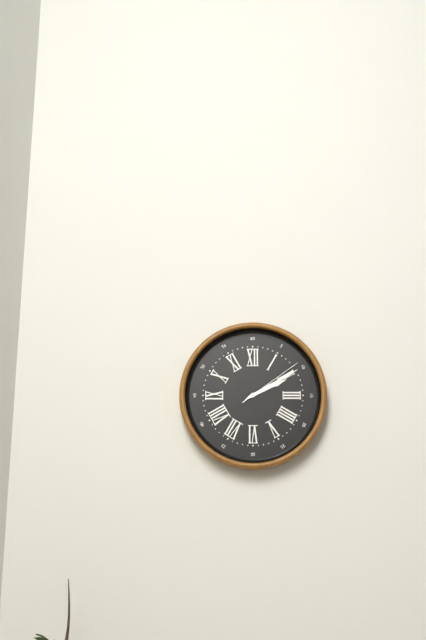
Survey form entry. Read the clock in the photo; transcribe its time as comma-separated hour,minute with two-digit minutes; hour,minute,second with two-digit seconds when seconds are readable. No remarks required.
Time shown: 2,10,09
